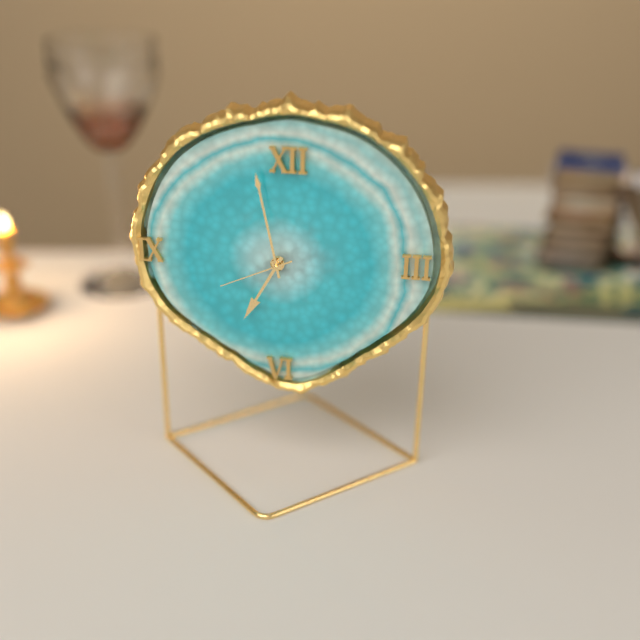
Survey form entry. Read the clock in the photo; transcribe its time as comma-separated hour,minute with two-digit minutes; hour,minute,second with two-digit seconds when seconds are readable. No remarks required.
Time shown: 6,58,41
